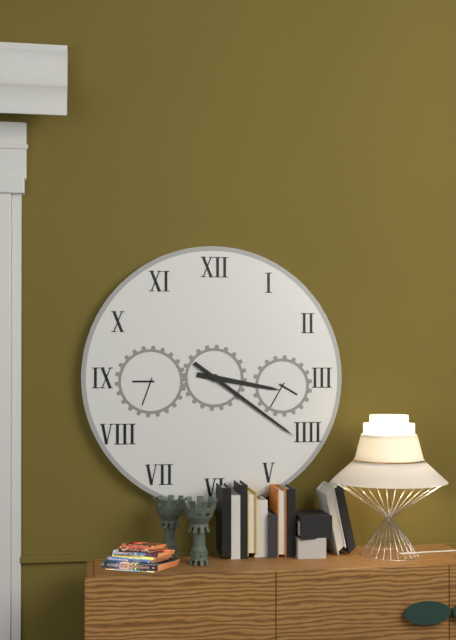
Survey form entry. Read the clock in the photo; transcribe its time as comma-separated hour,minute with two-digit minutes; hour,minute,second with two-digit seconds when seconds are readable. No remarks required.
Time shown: 3,21
